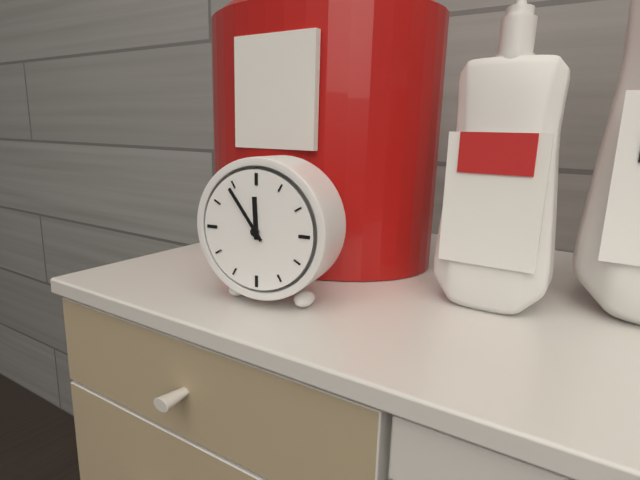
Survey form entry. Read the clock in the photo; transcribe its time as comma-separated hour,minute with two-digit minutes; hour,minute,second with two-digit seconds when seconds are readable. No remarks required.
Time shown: 11,54
